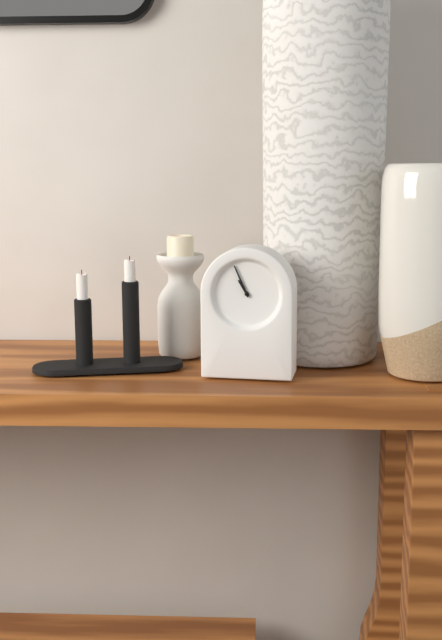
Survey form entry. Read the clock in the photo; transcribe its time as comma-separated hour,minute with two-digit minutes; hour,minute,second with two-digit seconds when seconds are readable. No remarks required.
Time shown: 10,56
